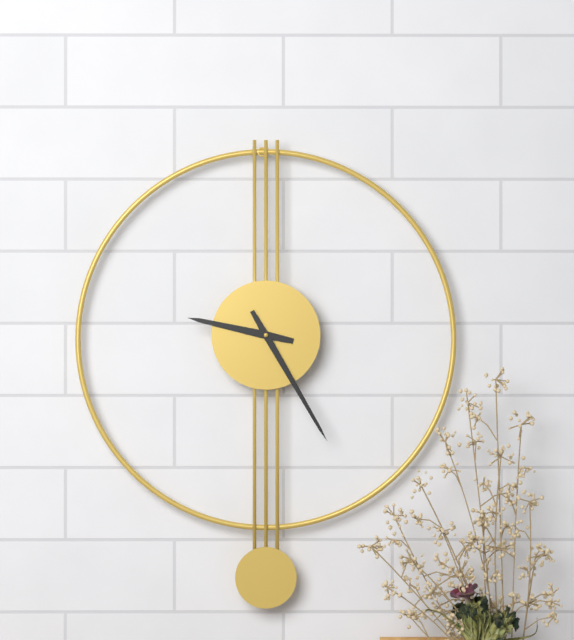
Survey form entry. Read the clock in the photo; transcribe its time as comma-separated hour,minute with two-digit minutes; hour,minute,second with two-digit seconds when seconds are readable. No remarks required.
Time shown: 9,25
